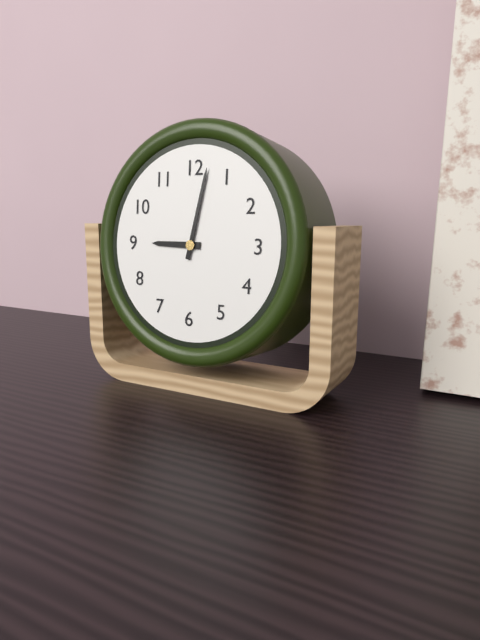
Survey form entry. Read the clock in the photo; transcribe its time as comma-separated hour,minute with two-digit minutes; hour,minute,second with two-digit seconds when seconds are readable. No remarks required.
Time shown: 9,02
